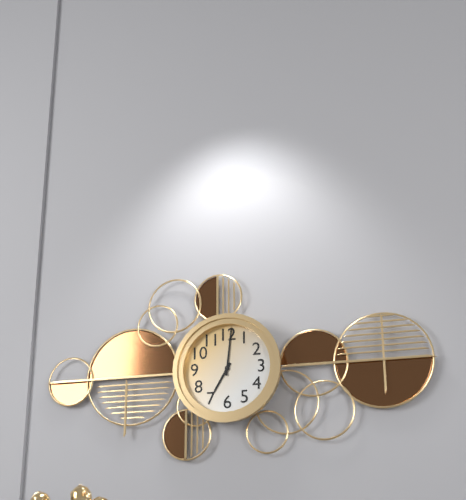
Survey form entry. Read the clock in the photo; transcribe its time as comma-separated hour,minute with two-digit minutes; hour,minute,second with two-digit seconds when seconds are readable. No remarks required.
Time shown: 7,01
